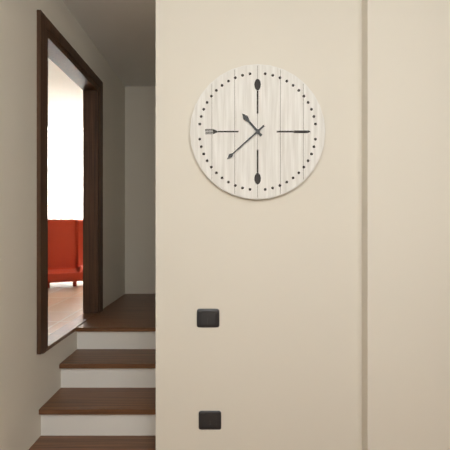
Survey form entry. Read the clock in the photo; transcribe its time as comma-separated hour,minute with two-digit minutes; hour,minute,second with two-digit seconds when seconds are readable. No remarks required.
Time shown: 10,38
